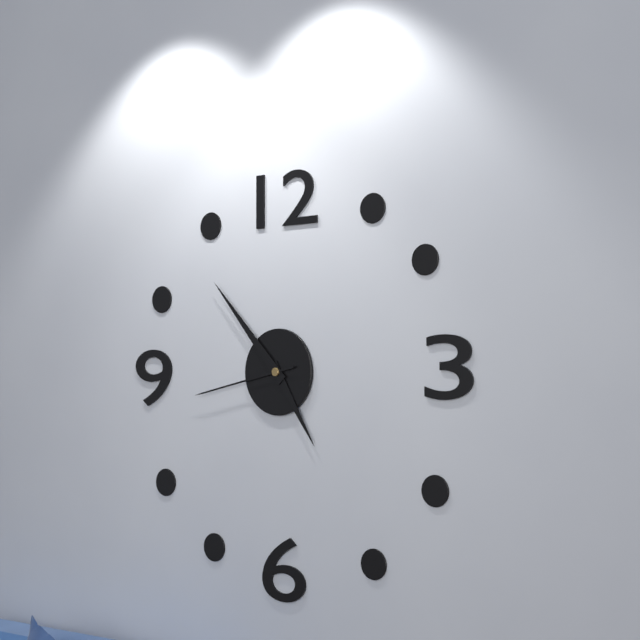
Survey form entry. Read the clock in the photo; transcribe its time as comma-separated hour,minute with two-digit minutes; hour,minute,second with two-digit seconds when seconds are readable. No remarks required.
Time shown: 4,53,43
